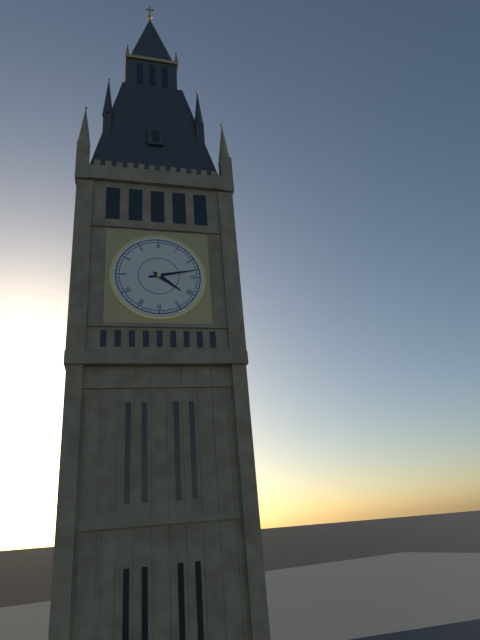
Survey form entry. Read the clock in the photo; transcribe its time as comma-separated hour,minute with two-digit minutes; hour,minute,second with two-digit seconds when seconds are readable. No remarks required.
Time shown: 4,13
